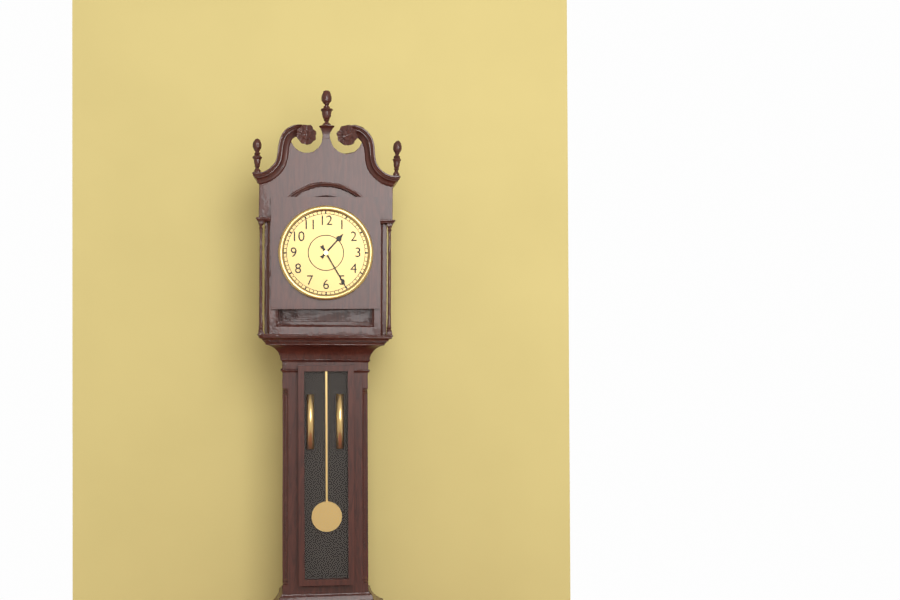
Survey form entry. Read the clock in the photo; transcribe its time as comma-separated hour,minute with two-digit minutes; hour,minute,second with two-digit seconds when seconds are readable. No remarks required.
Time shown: 1,25
